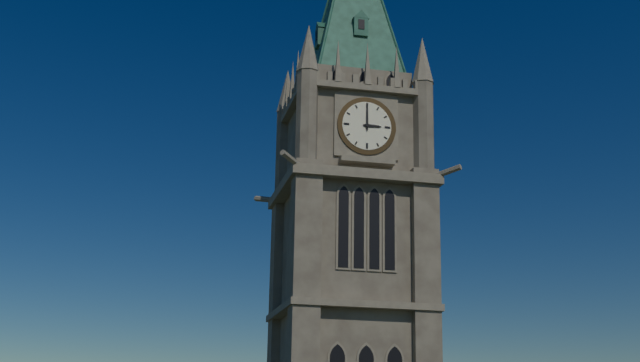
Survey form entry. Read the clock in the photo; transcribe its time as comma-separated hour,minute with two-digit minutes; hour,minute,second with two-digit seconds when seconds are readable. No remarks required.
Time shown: 3,00
